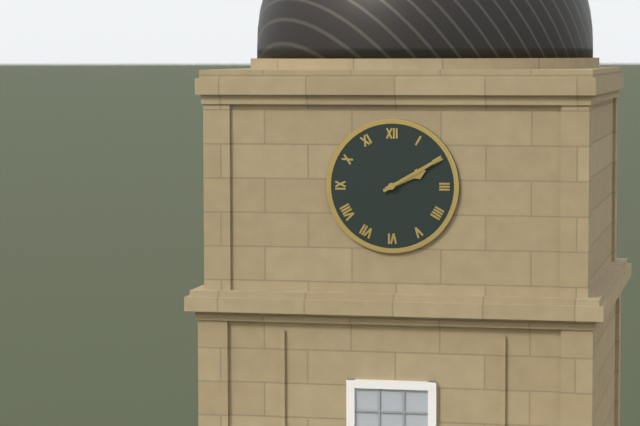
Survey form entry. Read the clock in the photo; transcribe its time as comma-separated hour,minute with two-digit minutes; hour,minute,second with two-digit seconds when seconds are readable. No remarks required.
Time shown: 2,10
